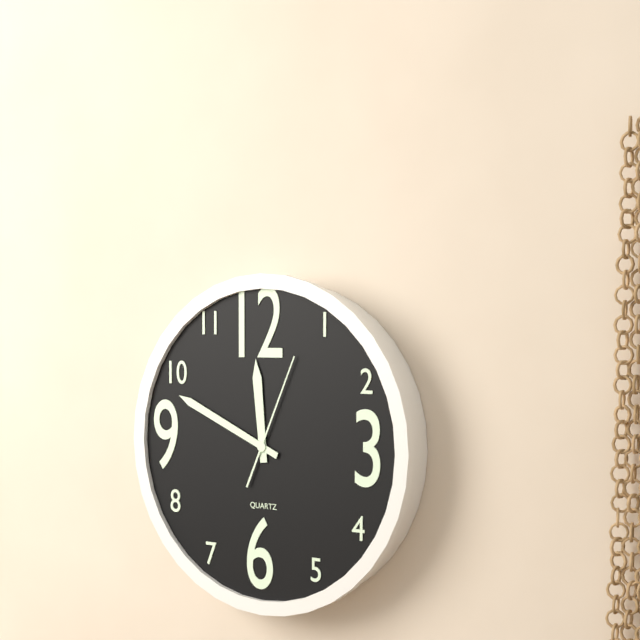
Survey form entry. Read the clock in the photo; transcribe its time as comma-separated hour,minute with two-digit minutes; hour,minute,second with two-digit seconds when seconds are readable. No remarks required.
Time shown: 11,49,04
